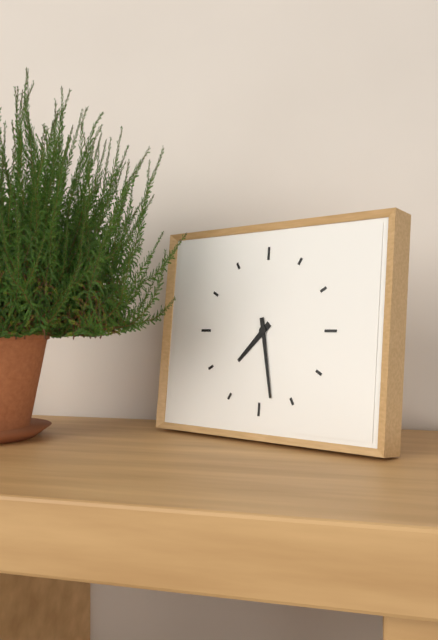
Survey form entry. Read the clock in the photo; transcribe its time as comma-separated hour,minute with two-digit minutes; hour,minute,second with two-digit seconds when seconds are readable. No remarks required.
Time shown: 7,28
